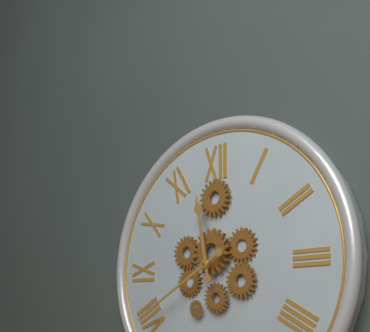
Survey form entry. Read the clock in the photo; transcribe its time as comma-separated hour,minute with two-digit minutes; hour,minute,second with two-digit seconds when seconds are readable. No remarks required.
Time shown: 11,40
